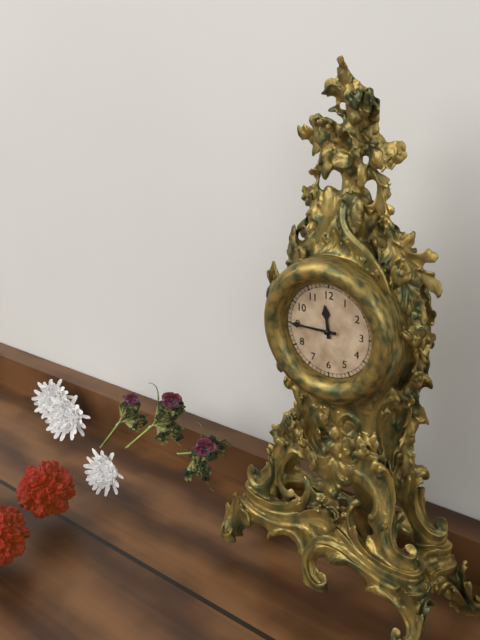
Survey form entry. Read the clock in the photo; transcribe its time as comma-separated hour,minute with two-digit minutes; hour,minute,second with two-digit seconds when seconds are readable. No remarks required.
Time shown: 11,45
